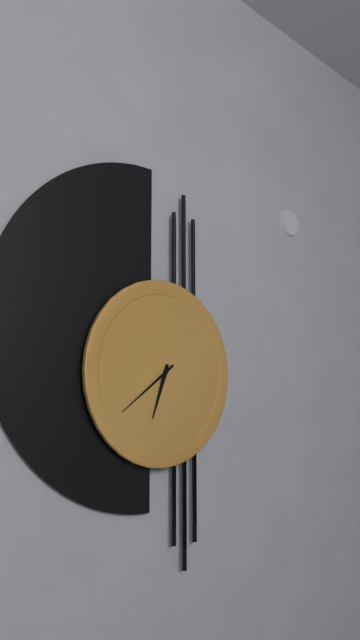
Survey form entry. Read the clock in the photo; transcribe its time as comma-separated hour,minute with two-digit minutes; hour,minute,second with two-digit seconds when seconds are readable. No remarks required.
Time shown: 6,39
